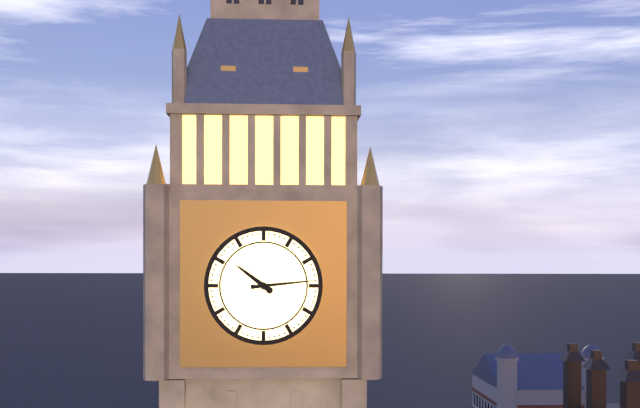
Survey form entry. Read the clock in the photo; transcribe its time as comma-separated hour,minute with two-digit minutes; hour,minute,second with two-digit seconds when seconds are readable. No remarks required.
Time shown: 10,14
